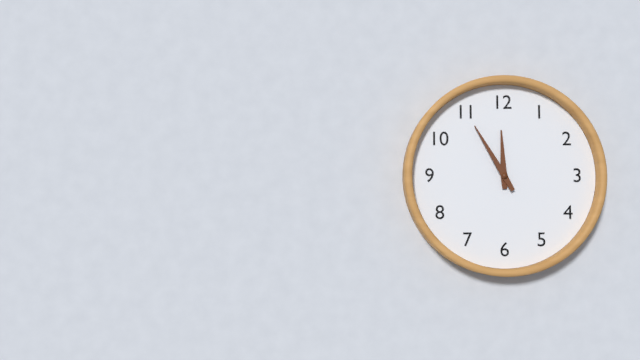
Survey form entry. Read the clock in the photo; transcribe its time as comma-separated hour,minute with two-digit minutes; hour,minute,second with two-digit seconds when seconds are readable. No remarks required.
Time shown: 11,55
